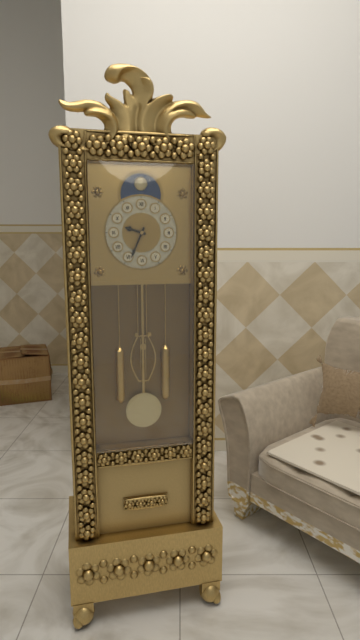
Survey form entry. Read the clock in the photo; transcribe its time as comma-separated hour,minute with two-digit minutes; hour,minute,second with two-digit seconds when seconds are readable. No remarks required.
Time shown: 9,34
